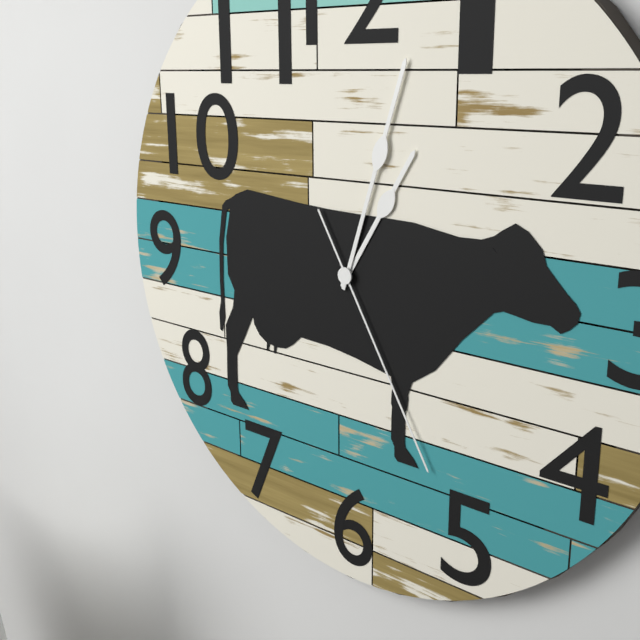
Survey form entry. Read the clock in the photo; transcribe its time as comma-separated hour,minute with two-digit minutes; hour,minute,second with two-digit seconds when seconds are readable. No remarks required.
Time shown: 1,03,25
